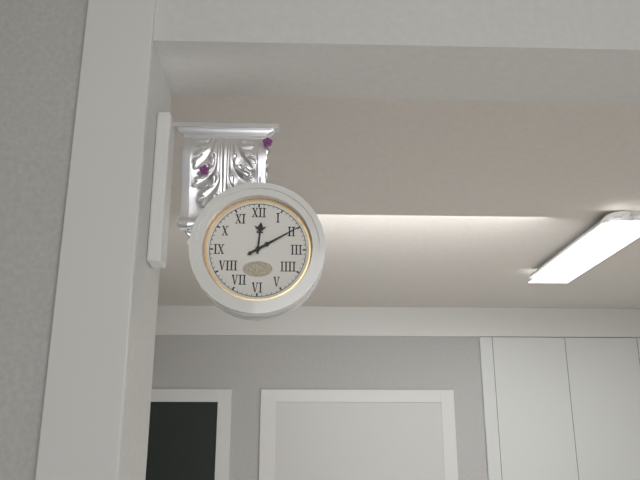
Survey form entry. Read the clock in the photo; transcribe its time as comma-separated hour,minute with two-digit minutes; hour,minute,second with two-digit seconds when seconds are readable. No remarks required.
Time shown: 12,10
